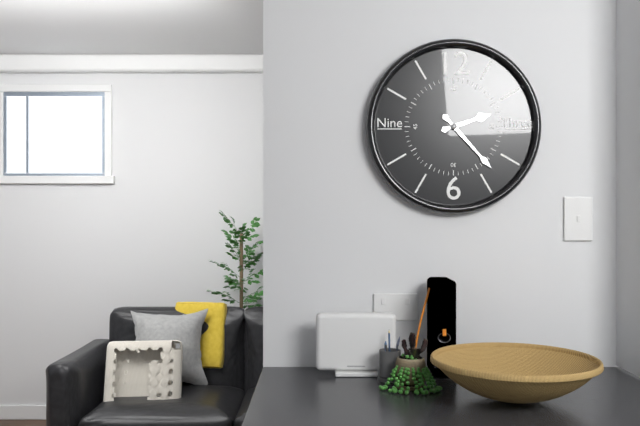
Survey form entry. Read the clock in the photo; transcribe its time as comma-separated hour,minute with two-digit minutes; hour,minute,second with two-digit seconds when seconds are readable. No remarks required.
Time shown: 2,23
